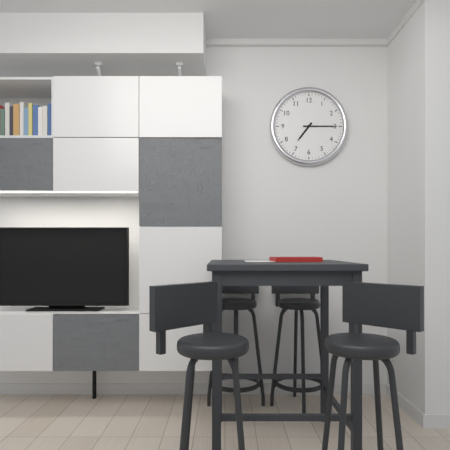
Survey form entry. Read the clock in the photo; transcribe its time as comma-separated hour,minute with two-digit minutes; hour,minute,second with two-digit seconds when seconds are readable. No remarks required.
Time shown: 7,15
